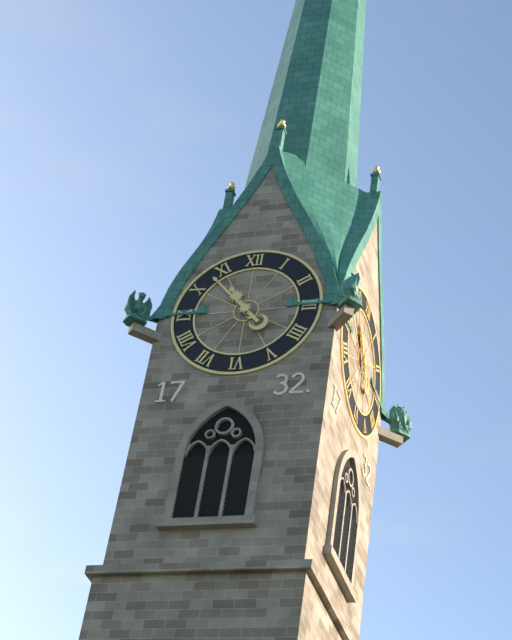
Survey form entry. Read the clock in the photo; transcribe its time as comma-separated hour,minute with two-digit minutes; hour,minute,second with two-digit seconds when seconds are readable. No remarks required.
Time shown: 10,53
